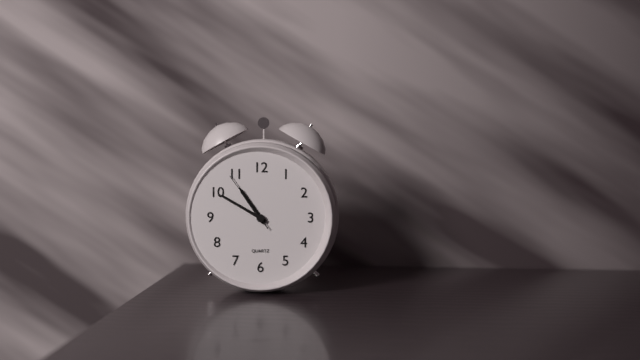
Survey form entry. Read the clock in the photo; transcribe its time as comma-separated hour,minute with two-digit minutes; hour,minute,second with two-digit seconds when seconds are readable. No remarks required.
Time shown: 10,50,54
